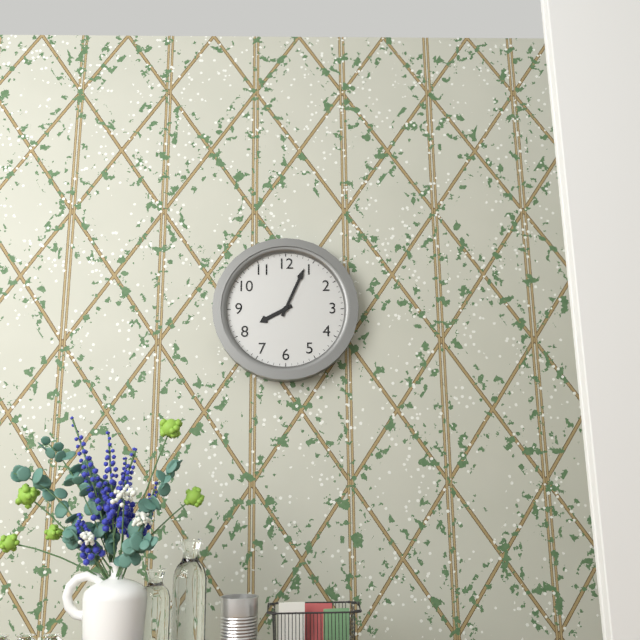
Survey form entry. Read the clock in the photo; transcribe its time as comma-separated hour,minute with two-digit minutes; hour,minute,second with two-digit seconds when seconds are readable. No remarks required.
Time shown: 8,04
